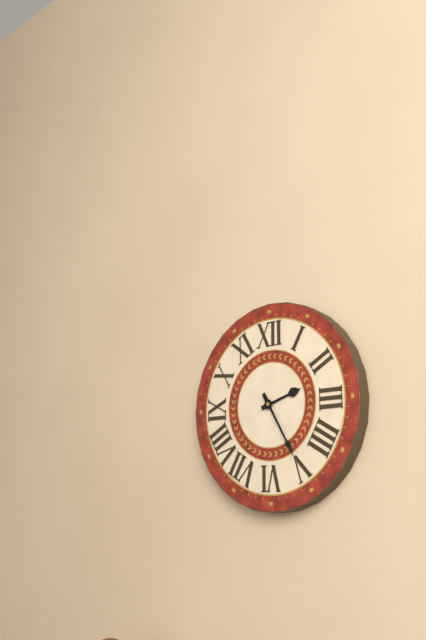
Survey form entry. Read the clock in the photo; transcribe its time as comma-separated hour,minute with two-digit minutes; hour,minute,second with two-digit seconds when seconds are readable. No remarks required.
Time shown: 2,25
